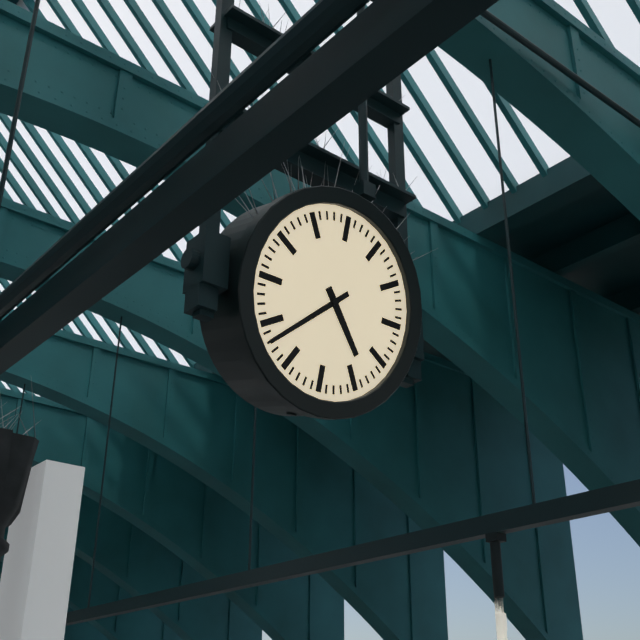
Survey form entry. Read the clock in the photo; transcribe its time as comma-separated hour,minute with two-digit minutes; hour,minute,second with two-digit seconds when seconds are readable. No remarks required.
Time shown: 4,38
